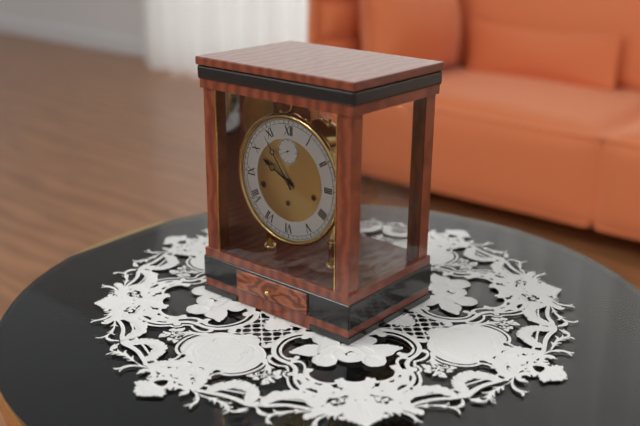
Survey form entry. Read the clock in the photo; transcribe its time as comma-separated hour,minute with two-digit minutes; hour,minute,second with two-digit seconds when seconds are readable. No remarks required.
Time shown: 9,54
